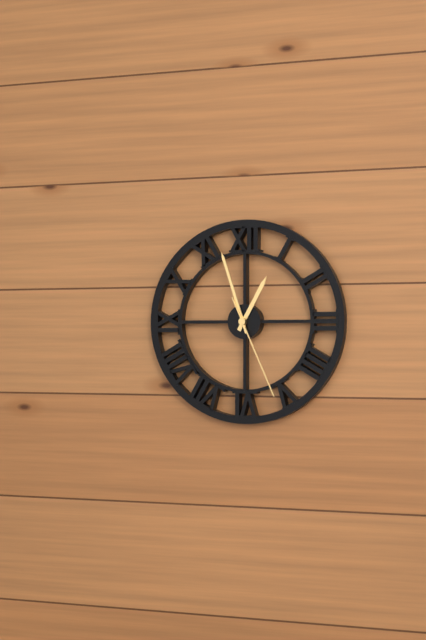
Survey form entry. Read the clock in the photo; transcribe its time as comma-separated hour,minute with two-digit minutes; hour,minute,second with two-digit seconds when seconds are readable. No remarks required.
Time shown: 12,57,26
